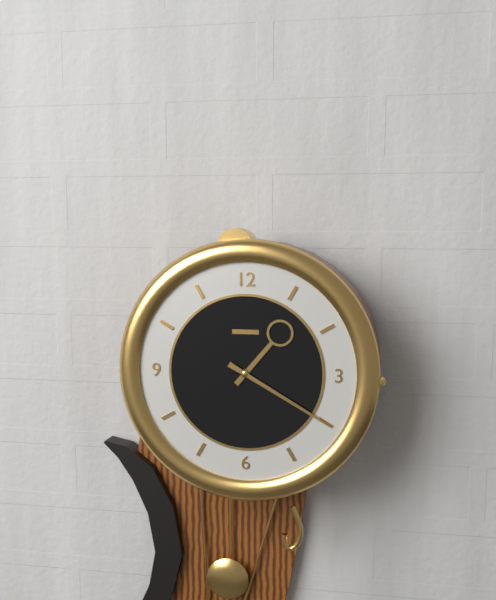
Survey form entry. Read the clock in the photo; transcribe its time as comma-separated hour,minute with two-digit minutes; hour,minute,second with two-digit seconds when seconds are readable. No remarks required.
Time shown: 1,20
